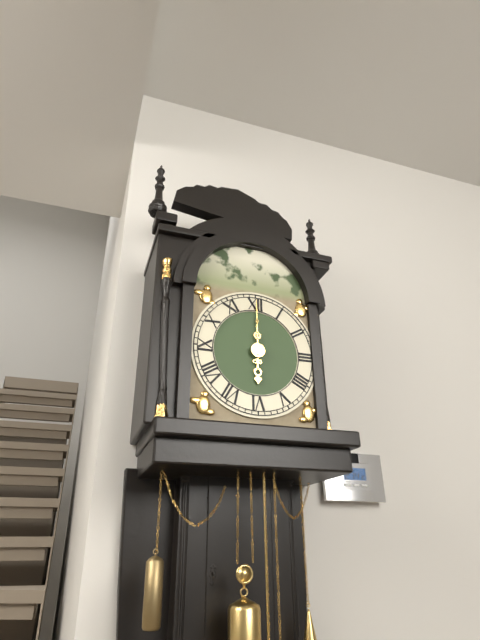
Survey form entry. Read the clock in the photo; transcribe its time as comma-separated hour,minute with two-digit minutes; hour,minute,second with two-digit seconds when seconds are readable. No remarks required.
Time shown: 6,00
